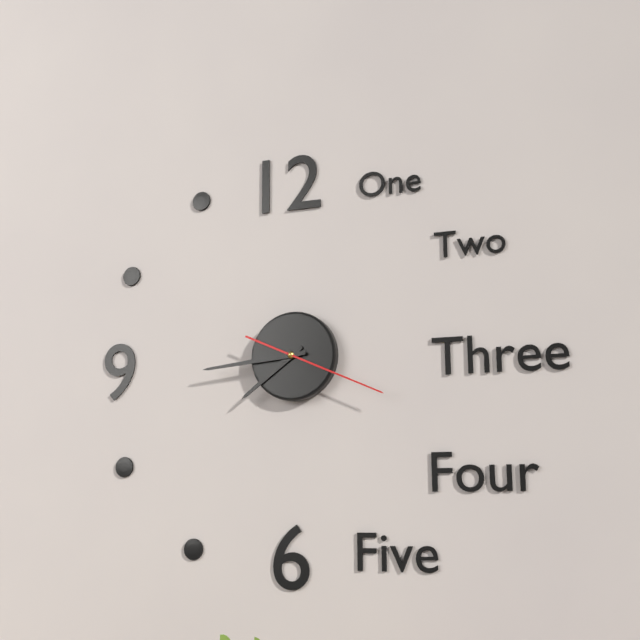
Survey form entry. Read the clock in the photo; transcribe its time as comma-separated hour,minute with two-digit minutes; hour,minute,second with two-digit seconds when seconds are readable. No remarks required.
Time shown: 7,44,19
